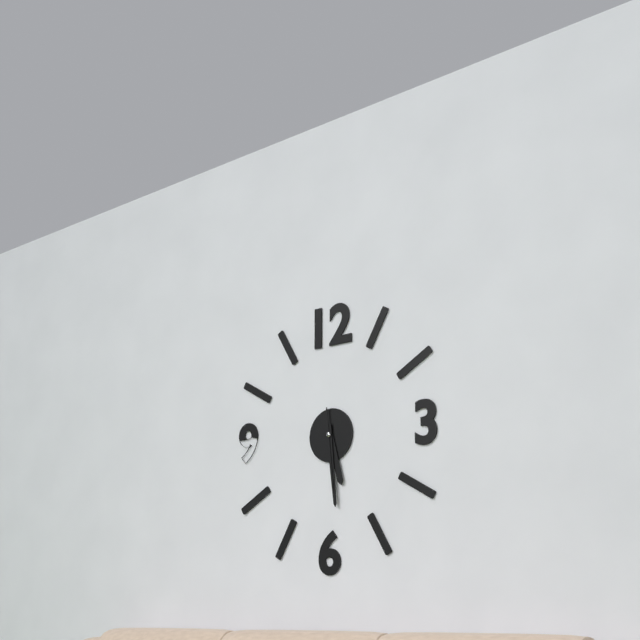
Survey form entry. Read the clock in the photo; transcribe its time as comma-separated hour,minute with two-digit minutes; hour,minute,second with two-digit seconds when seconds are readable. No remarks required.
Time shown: 5,29,29
